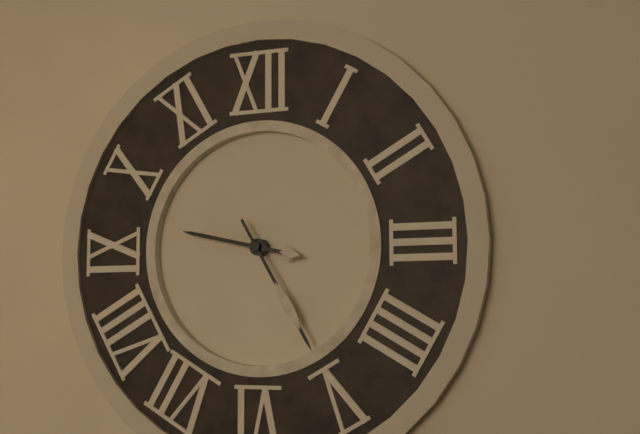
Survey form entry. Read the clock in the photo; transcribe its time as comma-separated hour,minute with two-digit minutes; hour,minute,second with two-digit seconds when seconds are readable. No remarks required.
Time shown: 9,25
